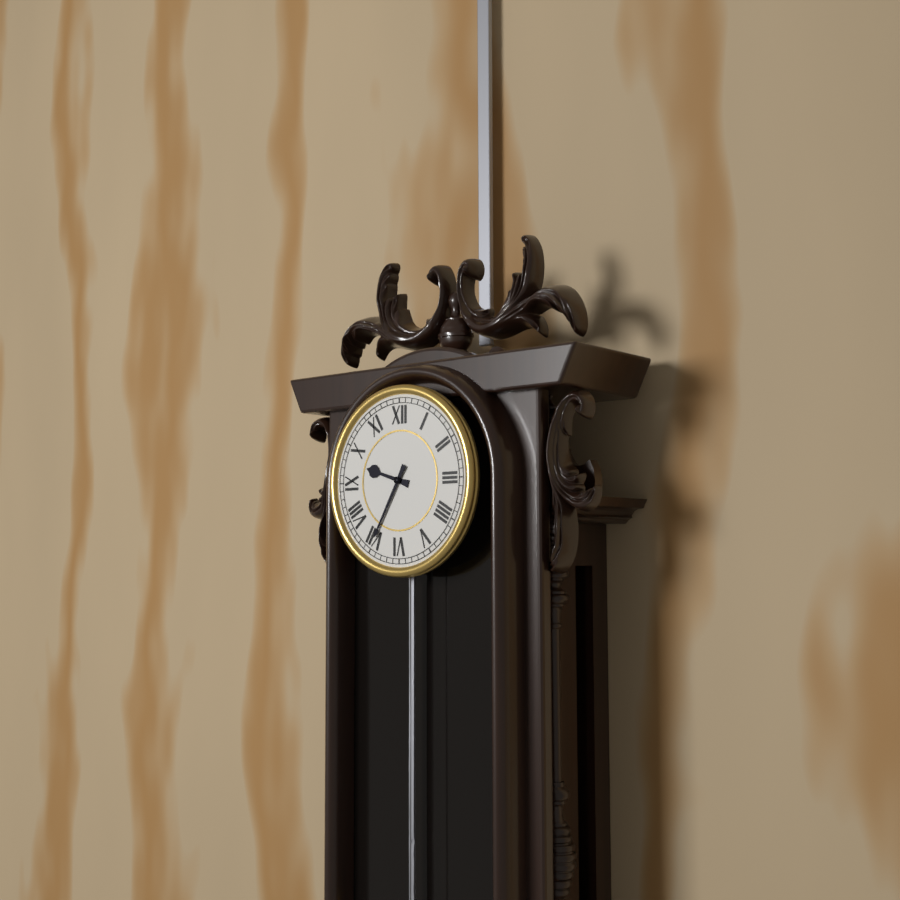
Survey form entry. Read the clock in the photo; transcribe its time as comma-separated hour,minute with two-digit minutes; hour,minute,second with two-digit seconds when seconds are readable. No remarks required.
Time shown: 9,35
